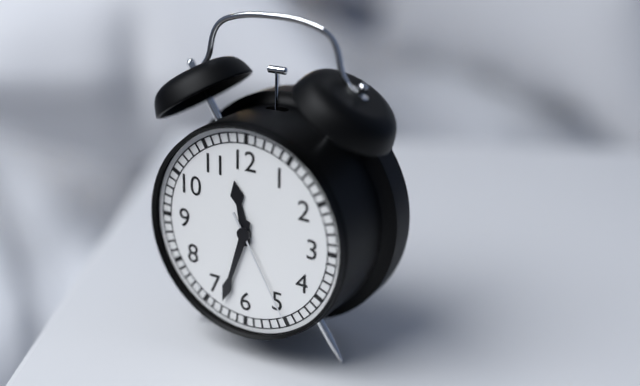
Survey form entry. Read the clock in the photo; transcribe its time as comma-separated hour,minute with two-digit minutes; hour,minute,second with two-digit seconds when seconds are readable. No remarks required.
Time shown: 11,33,25
